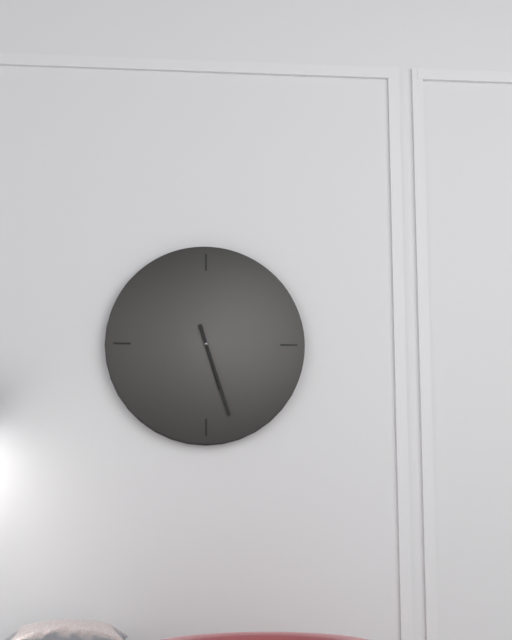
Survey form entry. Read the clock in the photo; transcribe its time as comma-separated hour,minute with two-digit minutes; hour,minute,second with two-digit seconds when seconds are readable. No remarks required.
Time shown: 5,27
